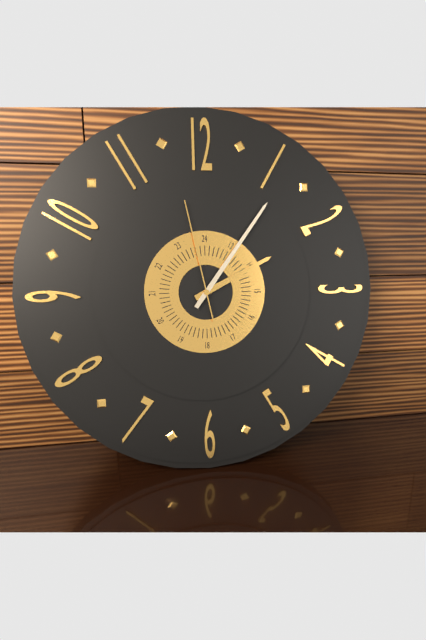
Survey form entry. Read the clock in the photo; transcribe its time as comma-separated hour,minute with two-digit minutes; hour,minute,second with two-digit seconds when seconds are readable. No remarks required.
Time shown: 2,06,58
